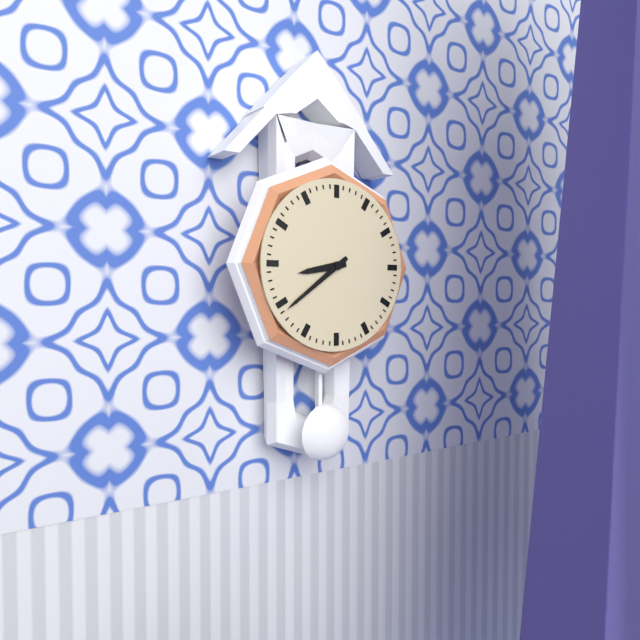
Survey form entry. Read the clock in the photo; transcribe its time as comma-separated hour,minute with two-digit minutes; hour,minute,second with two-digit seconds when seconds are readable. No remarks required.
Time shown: 8,39
